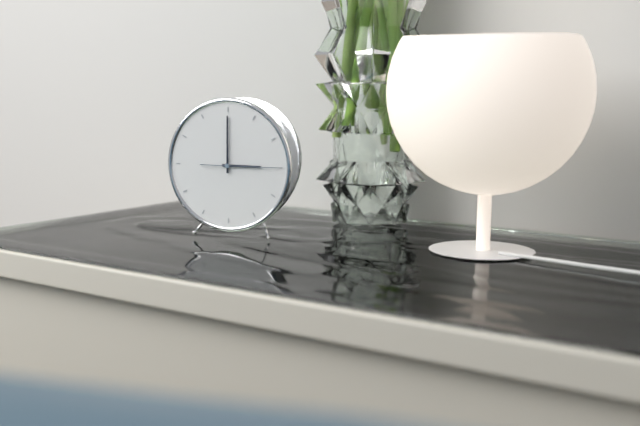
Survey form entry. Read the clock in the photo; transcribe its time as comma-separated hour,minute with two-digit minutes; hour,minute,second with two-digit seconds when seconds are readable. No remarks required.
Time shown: 3,00,15
